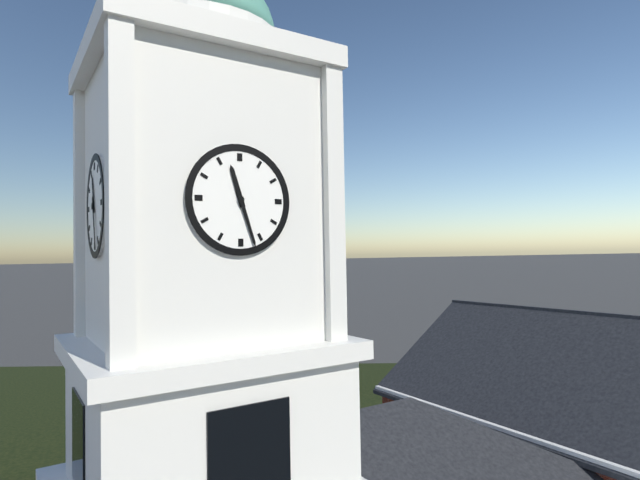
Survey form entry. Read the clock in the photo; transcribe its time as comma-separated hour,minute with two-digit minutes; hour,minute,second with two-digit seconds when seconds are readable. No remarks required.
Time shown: 11,27
